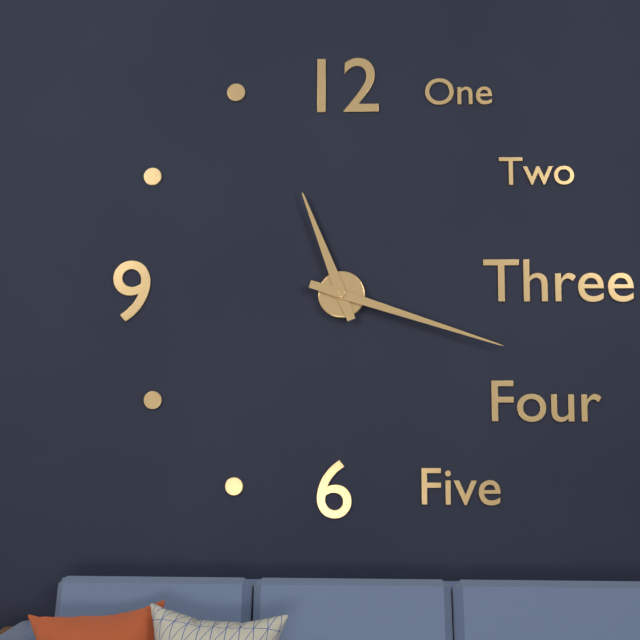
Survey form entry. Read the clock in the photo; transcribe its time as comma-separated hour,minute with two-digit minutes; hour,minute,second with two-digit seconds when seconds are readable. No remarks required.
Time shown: 11,18
